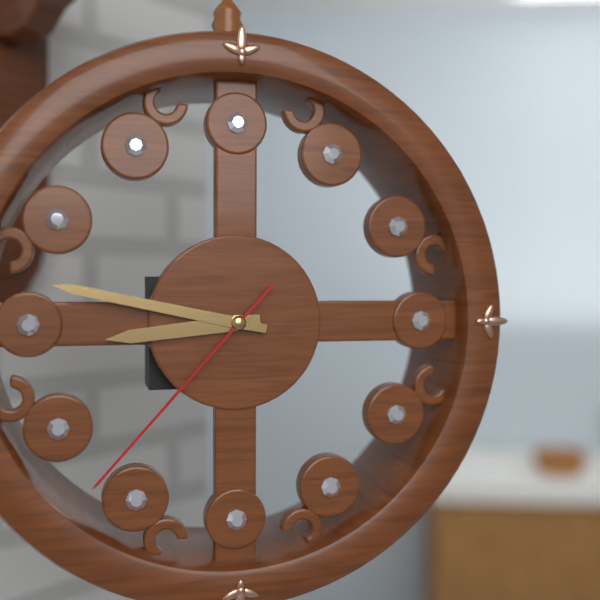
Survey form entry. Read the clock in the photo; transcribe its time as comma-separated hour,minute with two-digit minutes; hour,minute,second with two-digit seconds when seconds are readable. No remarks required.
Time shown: 8,47,37
